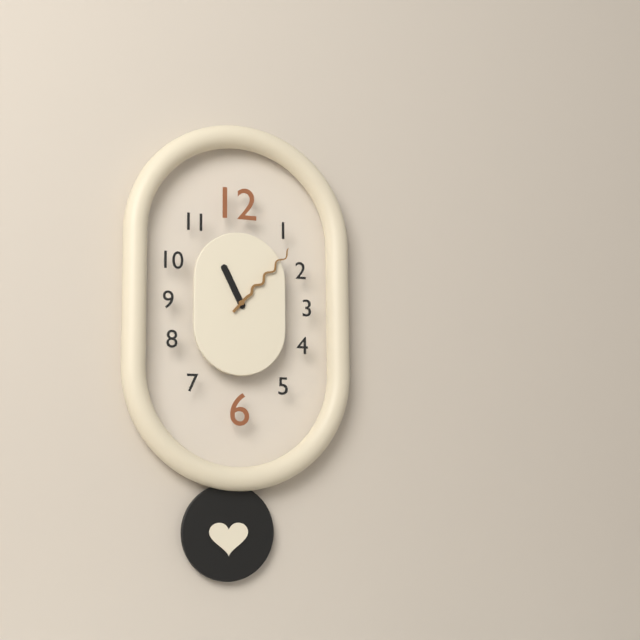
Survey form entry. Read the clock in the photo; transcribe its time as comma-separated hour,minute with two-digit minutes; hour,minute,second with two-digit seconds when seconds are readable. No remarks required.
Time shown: 11,07
